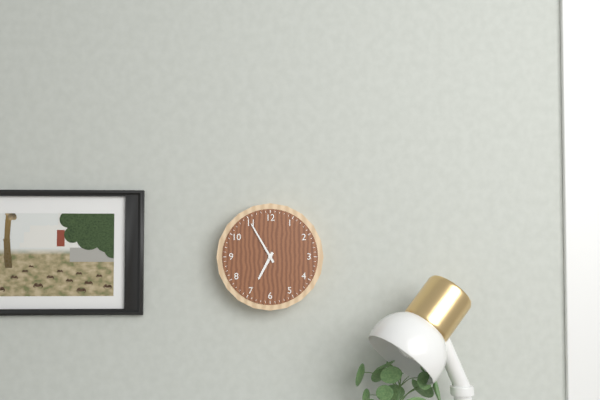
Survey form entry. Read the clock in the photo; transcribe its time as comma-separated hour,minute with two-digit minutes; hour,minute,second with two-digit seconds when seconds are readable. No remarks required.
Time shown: 6,55
